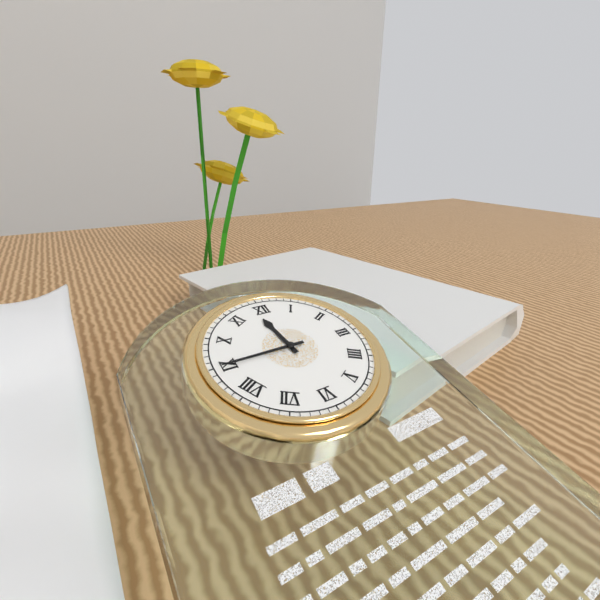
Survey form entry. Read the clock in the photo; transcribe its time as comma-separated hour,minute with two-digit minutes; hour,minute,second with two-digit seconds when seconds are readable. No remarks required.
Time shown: 11,45
